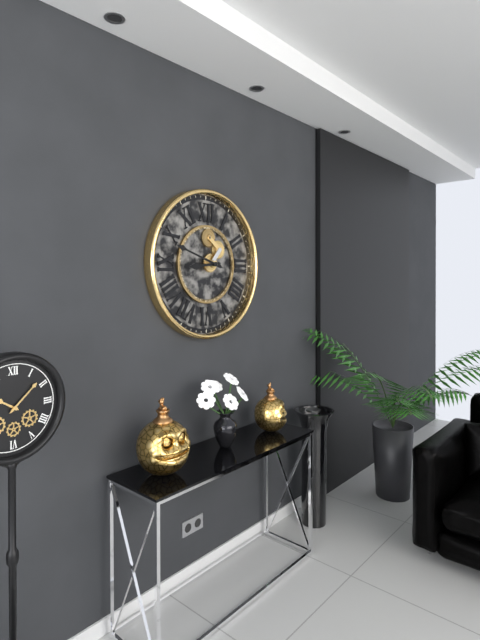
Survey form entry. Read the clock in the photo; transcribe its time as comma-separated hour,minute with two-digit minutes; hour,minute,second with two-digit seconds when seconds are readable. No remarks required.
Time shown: 8,48
